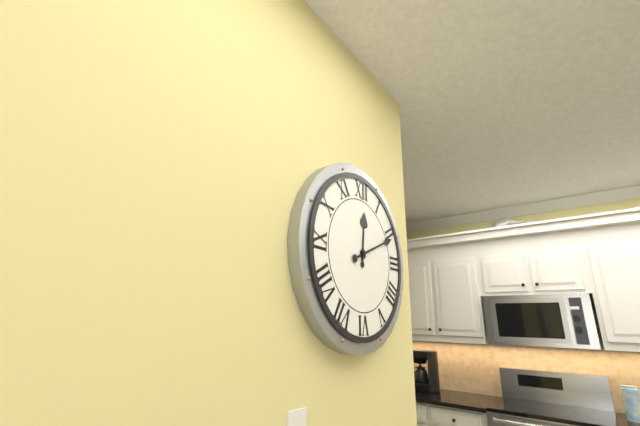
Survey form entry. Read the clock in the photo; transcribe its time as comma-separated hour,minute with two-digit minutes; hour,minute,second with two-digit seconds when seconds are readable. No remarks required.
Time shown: 12,11
